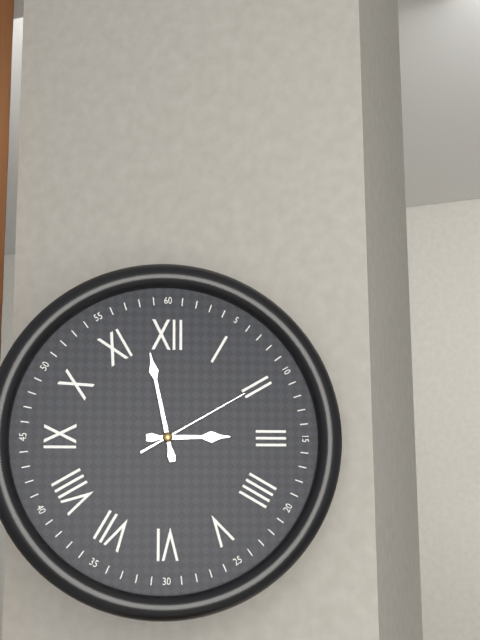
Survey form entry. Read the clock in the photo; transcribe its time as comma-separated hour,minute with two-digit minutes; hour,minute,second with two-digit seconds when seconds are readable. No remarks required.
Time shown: 2,58,10
